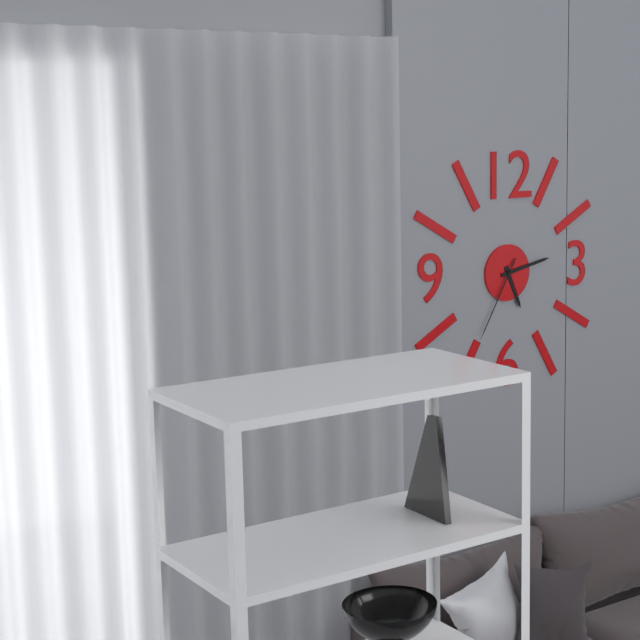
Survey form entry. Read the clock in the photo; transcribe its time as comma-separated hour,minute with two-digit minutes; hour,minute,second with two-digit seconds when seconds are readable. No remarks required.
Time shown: 5,13,35
